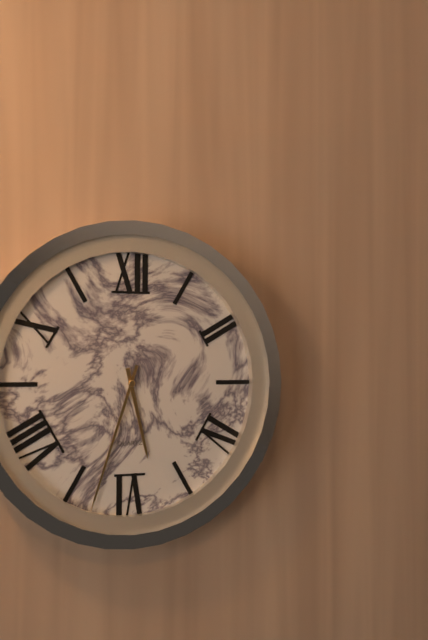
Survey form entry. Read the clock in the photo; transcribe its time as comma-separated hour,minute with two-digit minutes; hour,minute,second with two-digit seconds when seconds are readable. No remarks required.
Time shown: 5,33
